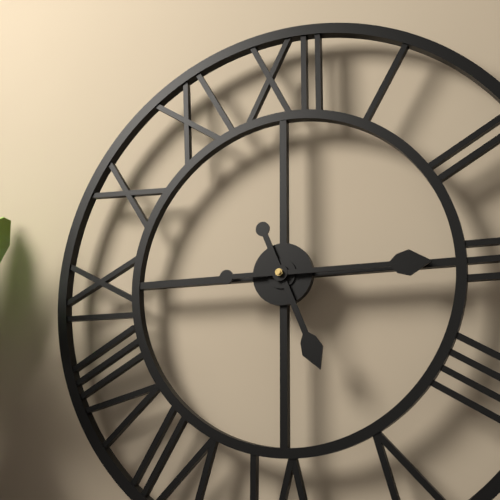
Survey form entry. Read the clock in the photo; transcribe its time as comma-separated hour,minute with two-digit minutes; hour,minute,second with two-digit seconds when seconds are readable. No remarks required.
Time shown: 5,15
